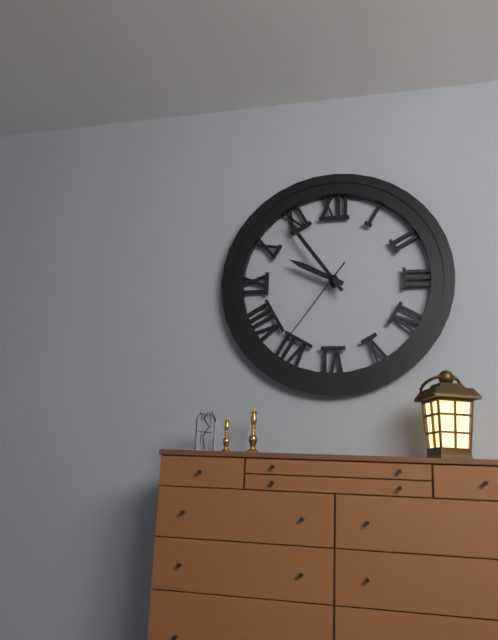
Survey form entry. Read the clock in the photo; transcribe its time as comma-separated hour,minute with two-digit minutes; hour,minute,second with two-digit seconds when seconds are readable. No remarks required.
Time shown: 9,54,36
